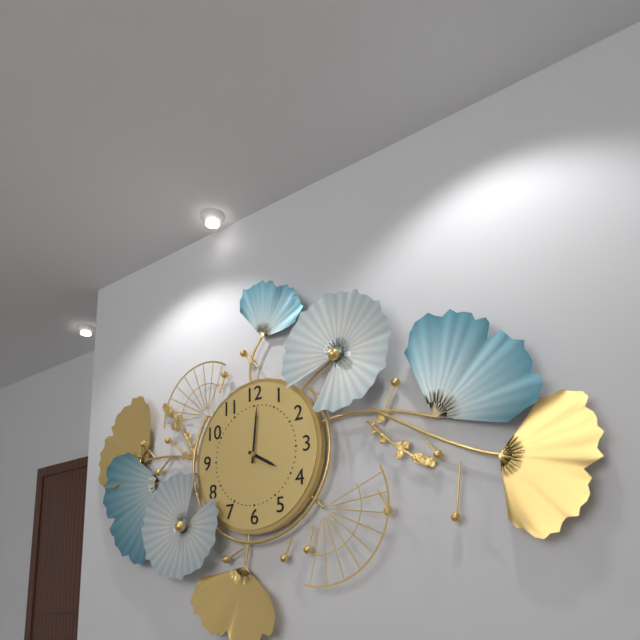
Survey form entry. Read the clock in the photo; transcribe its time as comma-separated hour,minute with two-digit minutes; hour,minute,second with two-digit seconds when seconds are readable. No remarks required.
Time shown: 4,01
